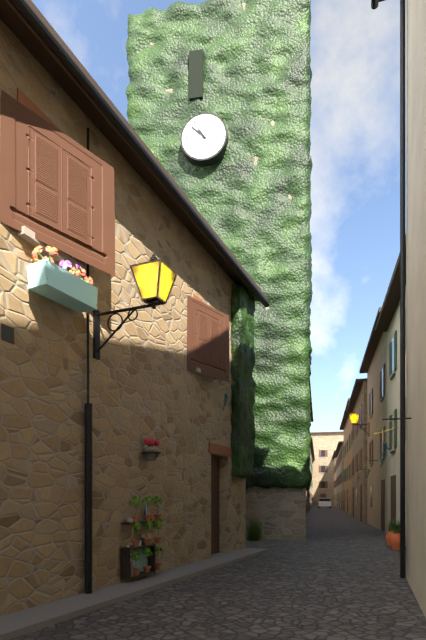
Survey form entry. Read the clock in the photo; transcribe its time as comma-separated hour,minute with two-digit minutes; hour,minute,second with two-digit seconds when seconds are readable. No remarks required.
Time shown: 10,52
